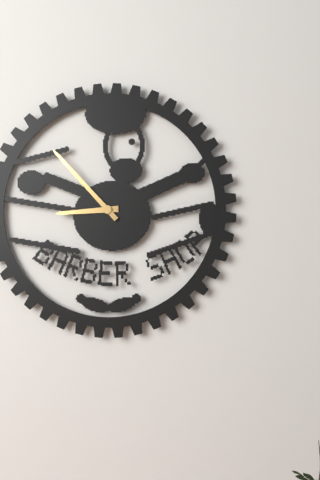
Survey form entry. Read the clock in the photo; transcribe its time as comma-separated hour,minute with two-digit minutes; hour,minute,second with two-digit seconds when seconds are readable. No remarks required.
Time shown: 8,53
